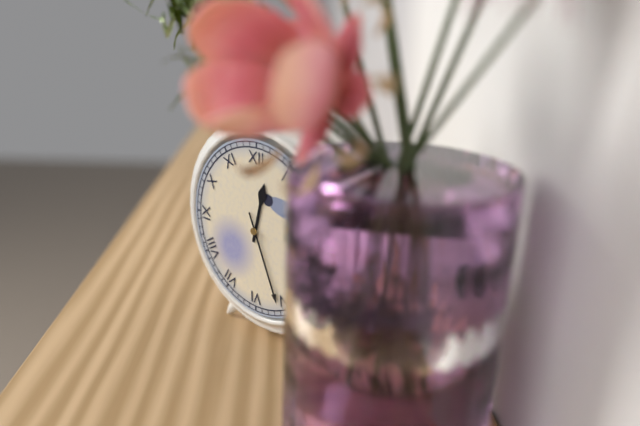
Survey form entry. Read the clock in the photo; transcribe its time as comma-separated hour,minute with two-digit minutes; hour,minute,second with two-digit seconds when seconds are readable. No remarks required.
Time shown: 12,26
